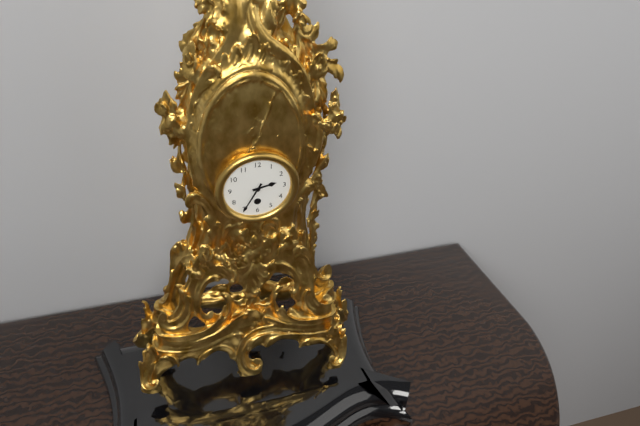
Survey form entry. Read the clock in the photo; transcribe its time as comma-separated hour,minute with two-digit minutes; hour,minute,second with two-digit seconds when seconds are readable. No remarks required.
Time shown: 2,35
